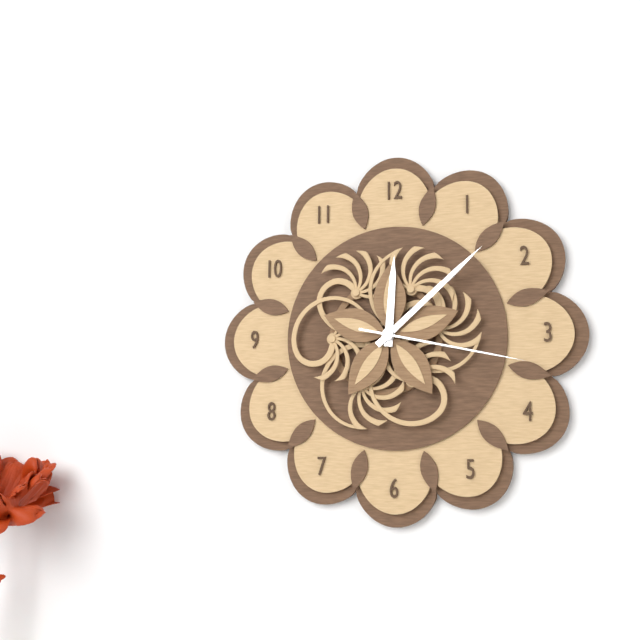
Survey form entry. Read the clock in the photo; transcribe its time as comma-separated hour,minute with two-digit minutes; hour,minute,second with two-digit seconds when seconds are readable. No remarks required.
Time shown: 12,08,17
